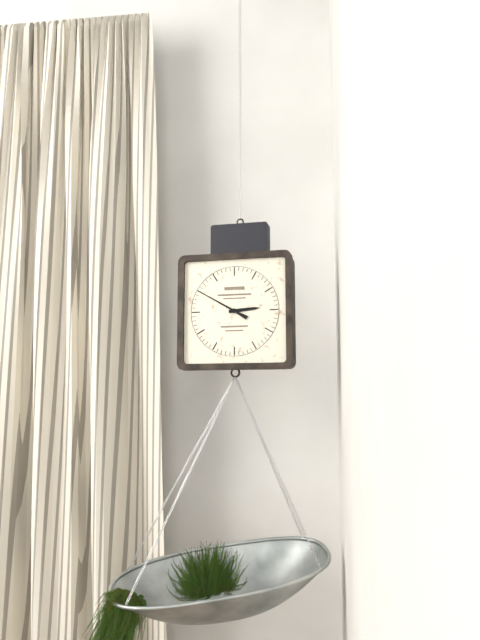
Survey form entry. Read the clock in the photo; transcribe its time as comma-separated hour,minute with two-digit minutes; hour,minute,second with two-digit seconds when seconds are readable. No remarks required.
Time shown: 2,50
